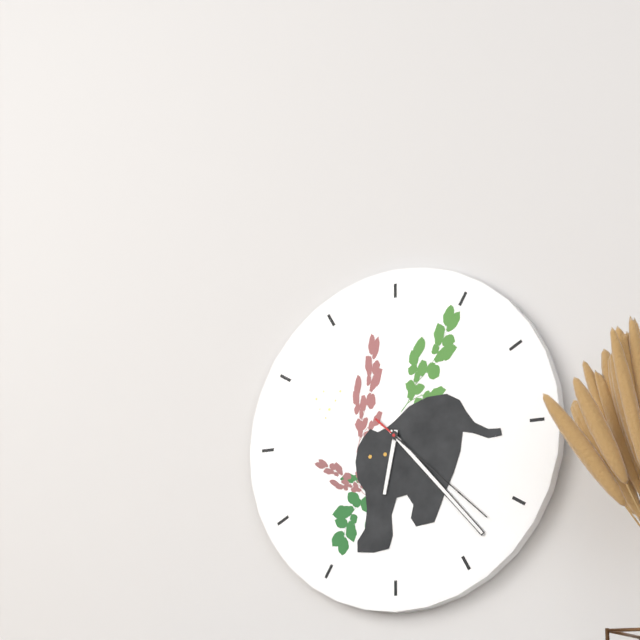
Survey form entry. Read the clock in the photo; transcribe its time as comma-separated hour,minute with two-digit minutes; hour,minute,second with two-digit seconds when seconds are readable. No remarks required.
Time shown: 6,23,22
